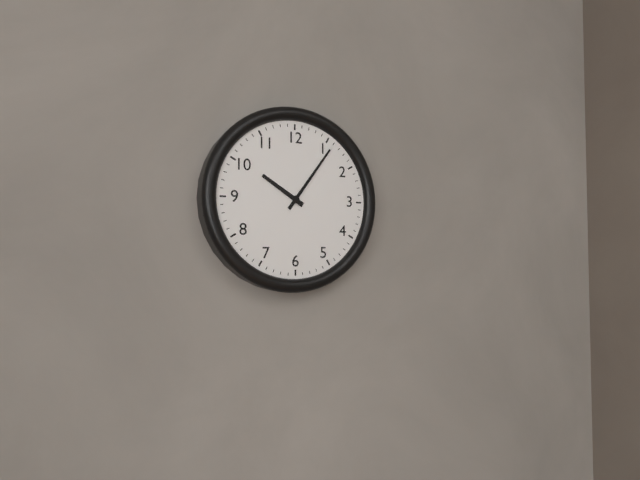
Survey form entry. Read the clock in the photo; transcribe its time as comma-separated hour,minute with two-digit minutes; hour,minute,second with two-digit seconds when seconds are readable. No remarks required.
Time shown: 10,06
